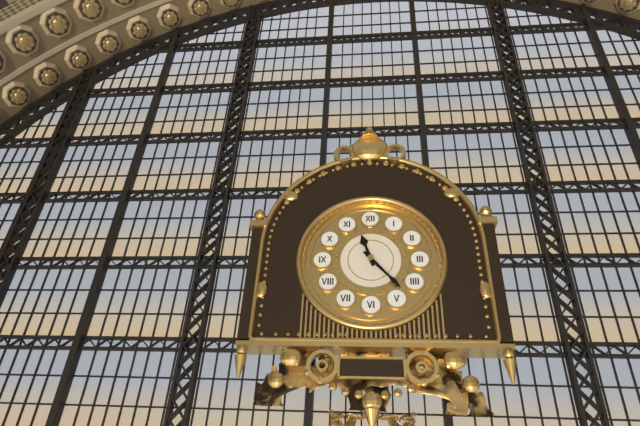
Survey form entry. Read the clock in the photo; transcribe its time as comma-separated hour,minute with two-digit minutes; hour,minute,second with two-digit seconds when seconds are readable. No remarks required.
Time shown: 11,23
